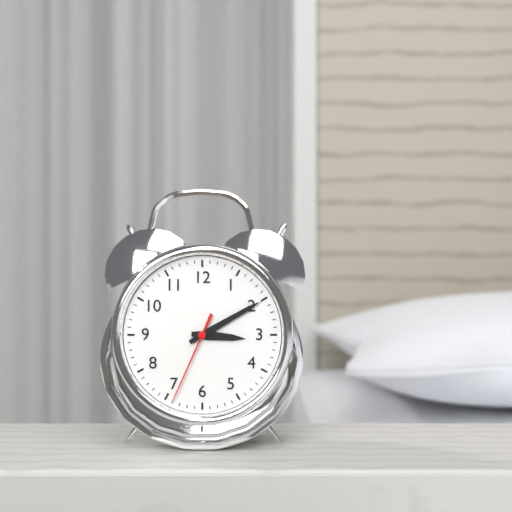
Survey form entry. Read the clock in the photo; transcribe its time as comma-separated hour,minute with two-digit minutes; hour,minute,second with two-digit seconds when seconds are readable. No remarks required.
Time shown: 3,10,34
